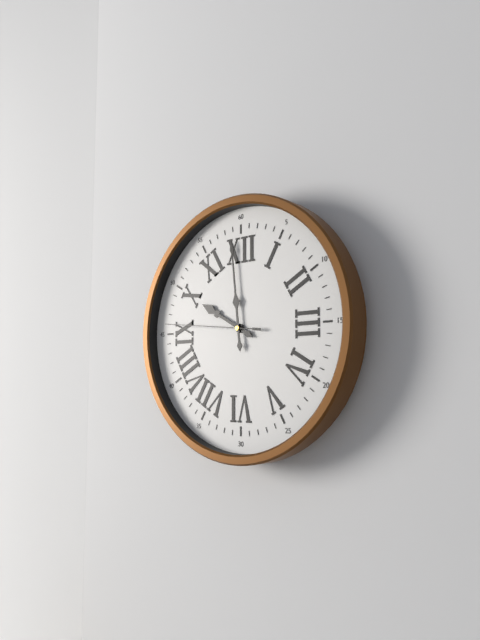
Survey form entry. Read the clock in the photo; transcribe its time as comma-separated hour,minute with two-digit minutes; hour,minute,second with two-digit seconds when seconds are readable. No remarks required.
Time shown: 9,59,46
